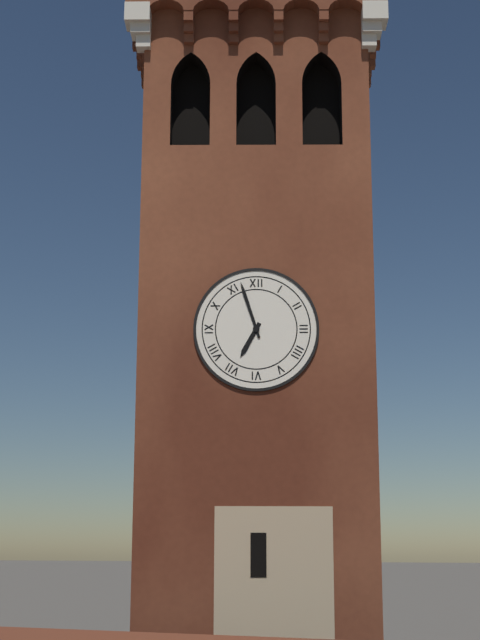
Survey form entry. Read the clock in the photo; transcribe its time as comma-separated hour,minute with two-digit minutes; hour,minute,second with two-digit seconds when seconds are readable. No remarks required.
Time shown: 6,57
